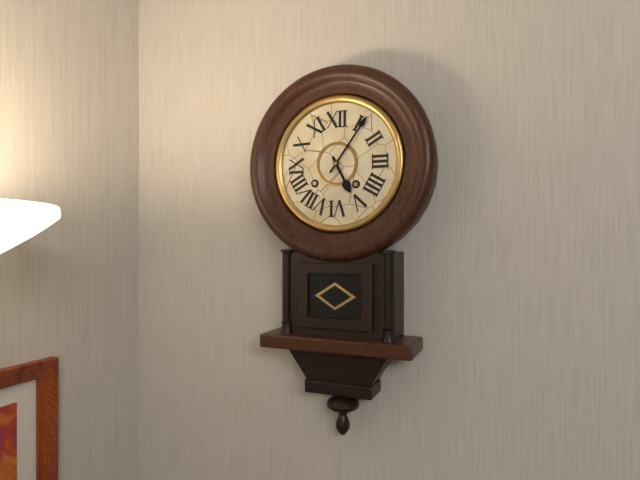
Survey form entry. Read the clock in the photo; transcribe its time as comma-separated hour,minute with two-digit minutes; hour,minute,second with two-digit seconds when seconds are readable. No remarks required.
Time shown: 5,06
